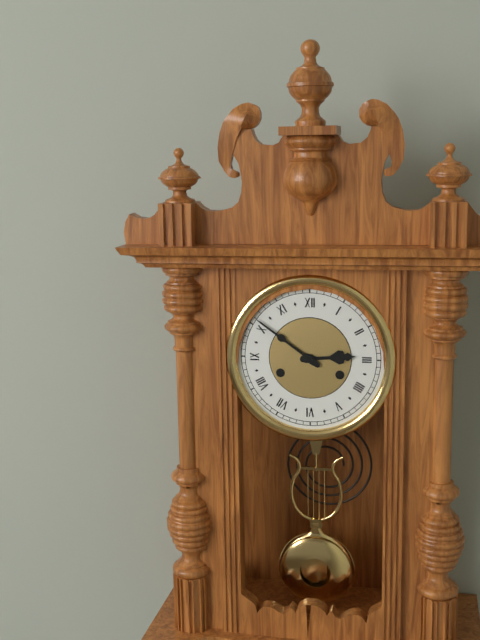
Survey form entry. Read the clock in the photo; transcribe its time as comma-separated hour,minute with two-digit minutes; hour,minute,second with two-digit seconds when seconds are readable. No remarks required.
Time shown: 2,51
